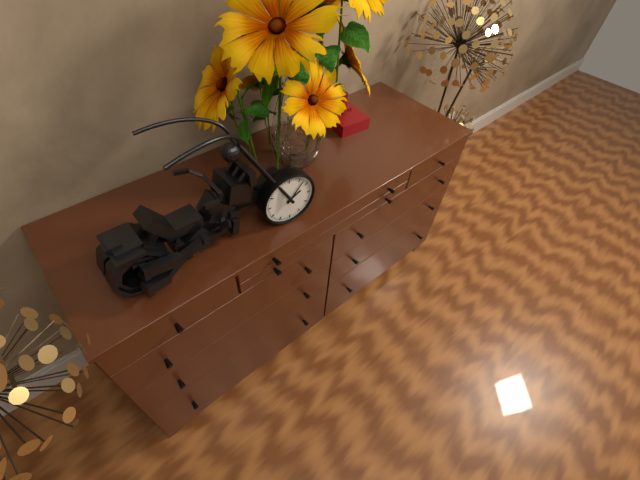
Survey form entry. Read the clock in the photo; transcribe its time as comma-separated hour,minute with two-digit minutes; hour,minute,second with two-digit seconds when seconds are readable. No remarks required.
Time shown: 2,07
